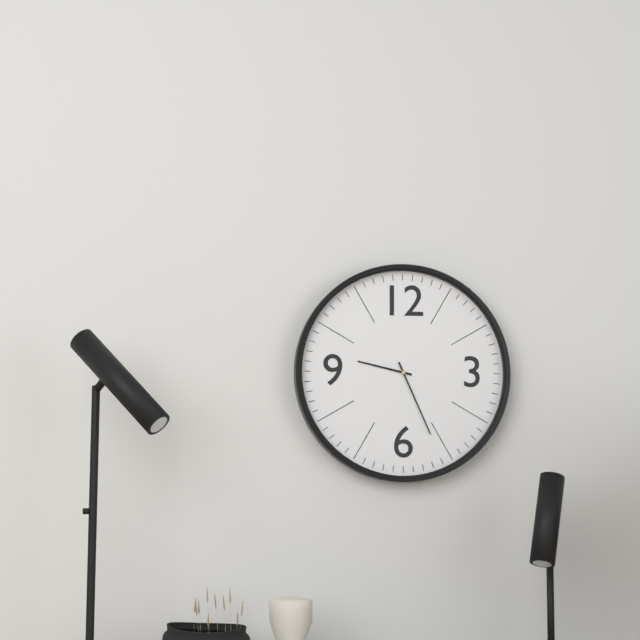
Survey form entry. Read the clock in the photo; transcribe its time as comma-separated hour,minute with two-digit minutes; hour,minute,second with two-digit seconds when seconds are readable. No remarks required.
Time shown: 9,26
